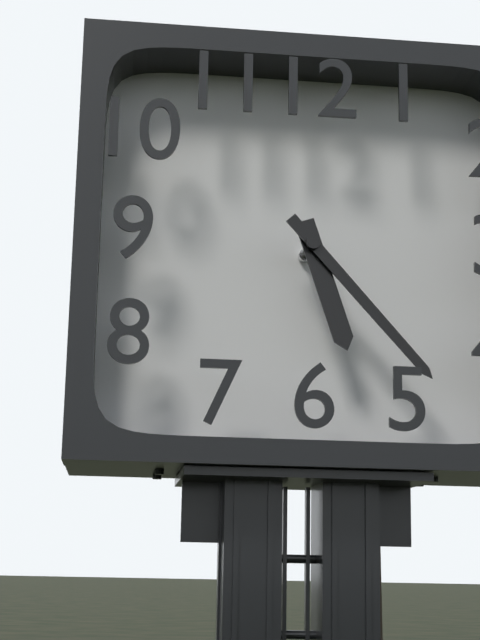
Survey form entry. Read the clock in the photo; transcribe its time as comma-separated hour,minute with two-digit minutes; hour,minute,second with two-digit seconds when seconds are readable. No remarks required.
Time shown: 5,23
